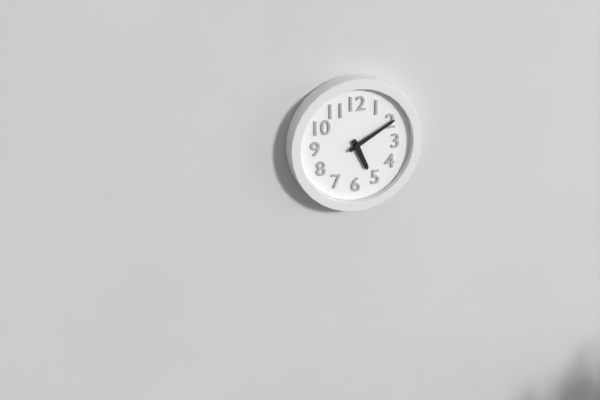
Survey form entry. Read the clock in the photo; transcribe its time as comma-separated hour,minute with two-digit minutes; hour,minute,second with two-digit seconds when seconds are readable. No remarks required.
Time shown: 5,10
